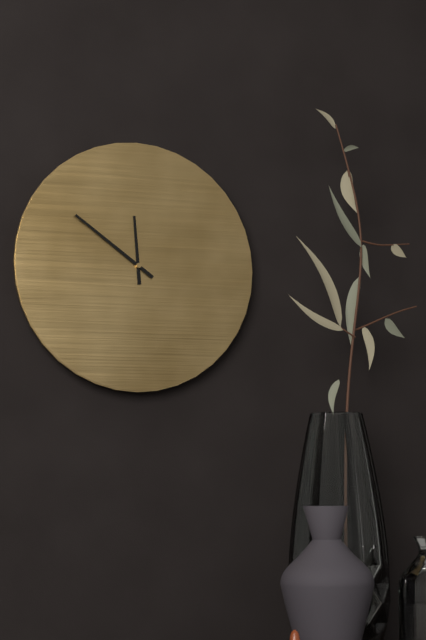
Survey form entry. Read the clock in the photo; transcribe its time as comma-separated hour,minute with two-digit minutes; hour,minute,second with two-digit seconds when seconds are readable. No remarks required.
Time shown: 11,51
